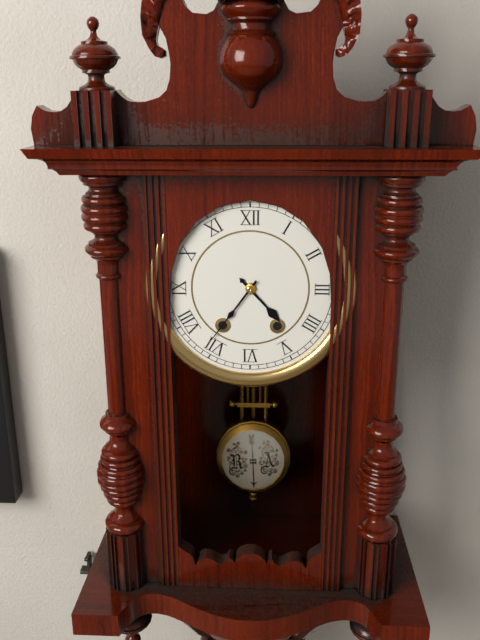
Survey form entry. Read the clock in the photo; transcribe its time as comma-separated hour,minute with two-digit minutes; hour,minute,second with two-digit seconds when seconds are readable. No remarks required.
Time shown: 4,36
